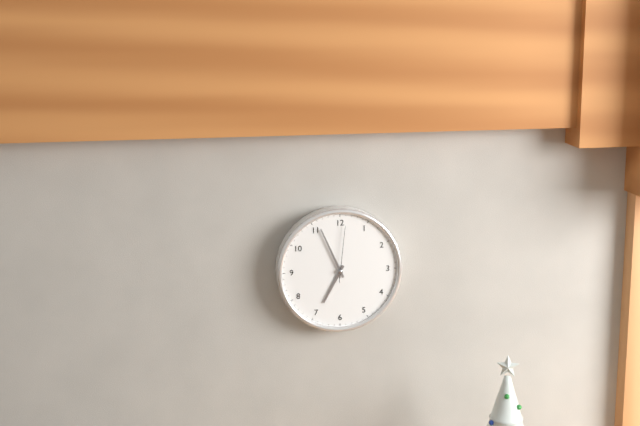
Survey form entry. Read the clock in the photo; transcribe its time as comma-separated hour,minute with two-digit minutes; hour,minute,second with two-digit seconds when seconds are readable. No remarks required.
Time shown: 6,56,01
